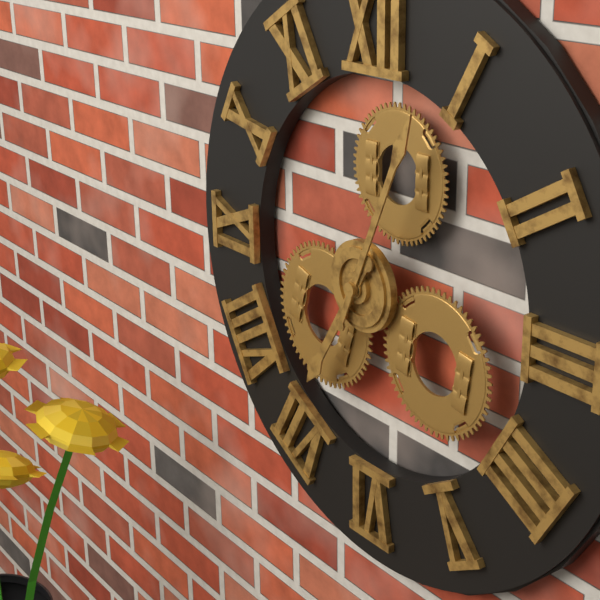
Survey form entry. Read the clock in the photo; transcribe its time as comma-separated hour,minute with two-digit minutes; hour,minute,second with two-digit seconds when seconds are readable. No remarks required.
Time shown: 7,04
